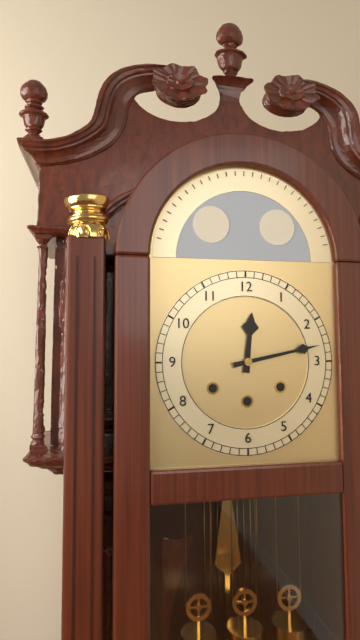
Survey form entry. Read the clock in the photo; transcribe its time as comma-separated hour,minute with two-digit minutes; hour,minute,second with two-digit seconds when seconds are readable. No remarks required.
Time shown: 12,13
